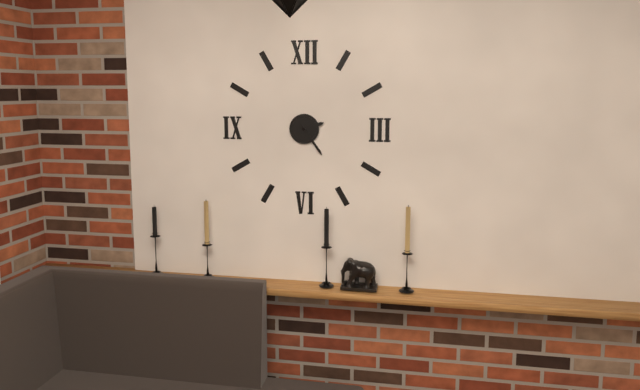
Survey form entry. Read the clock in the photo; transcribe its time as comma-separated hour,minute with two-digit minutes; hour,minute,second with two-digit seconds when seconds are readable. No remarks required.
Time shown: 2,24
